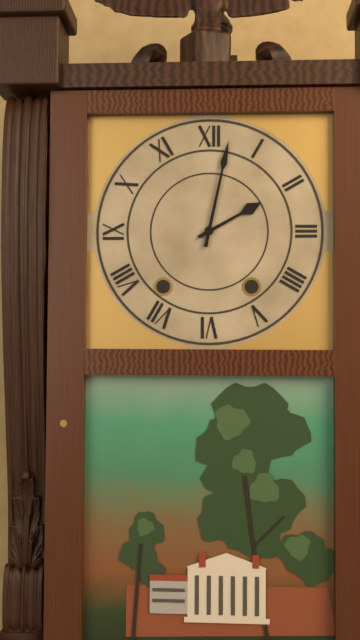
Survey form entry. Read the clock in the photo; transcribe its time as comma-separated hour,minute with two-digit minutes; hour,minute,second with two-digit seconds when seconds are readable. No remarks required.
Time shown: 2,02
